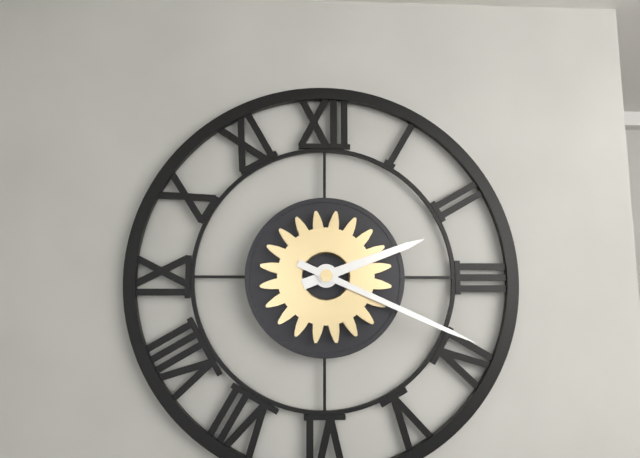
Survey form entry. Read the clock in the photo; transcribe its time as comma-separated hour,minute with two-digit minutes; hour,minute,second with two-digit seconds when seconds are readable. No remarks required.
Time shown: 2,19
